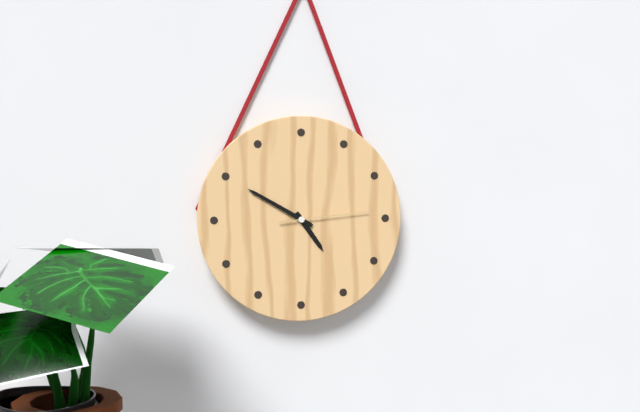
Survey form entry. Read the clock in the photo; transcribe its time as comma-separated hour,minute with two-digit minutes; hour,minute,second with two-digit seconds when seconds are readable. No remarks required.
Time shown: 4,50,14
